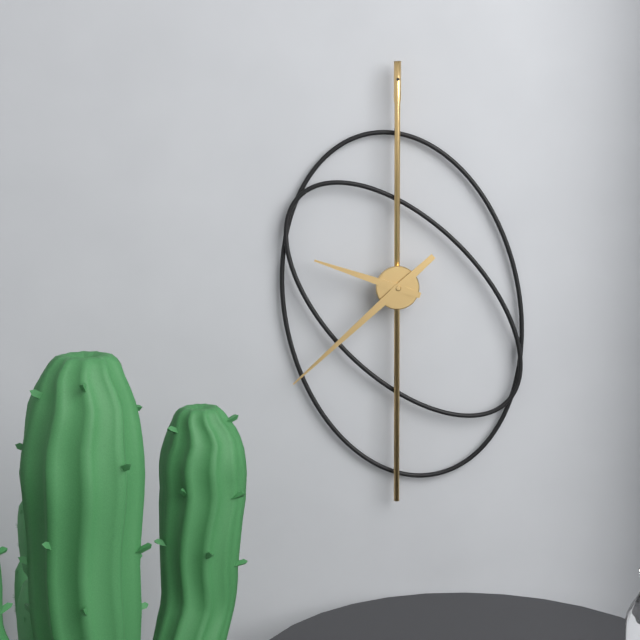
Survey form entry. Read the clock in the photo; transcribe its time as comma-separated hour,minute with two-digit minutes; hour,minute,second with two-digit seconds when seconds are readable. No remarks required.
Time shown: 9,38
